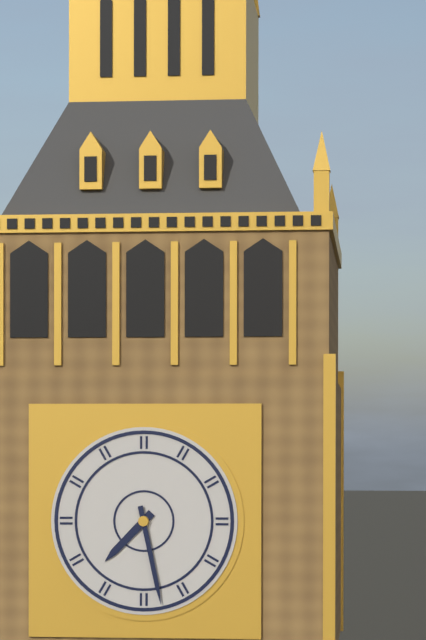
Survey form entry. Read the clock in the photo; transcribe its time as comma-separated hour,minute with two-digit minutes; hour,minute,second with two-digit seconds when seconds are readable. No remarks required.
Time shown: 7,28
